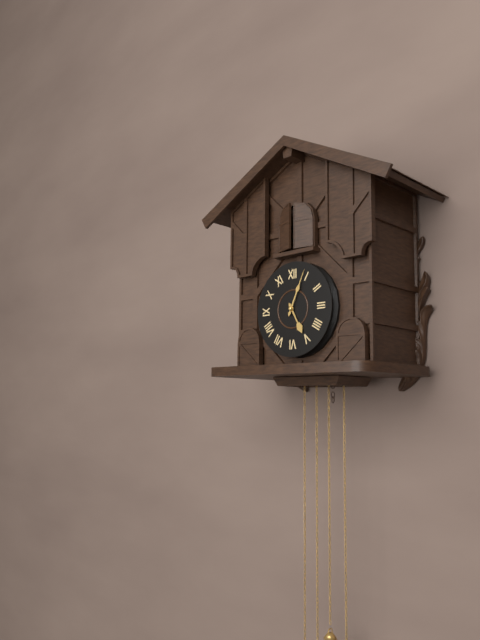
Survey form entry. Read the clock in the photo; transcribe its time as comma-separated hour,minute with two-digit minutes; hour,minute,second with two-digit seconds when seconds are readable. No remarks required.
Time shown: 5,04
